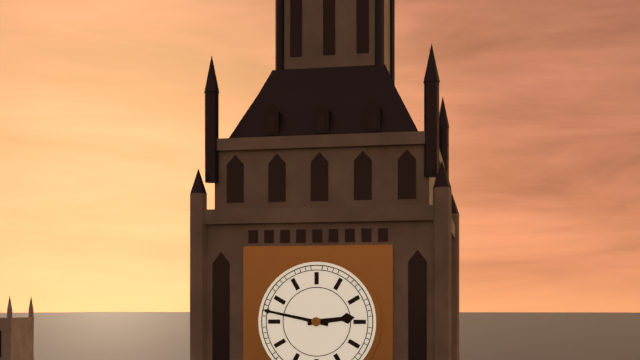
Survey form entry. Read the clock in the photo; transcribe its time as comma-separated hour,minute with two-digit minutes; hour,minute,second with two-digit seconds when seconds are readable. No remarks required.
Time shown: 2,47
